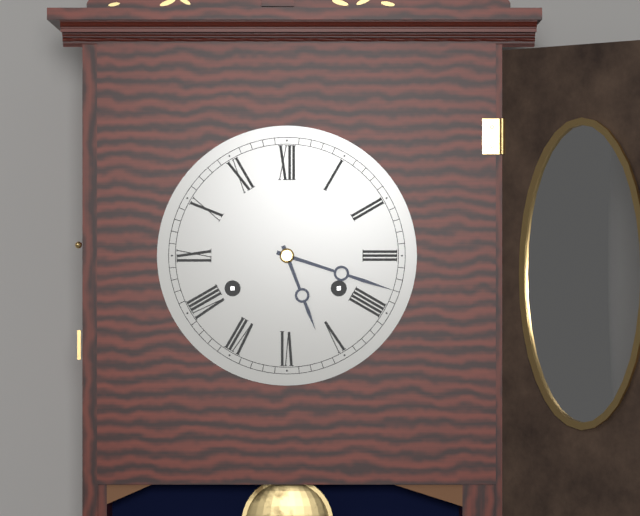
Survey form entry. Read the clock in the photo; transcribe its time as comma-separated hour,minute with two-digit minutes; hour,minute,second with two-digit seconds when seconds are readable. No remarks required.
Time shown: 5,18
